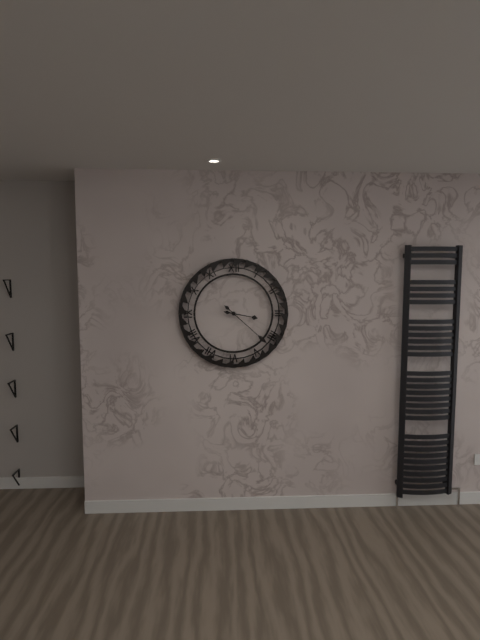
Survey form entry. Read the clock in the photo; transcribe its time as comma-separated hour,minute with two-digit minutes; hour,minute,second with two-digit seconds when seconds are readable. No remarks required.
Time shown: 3,22
